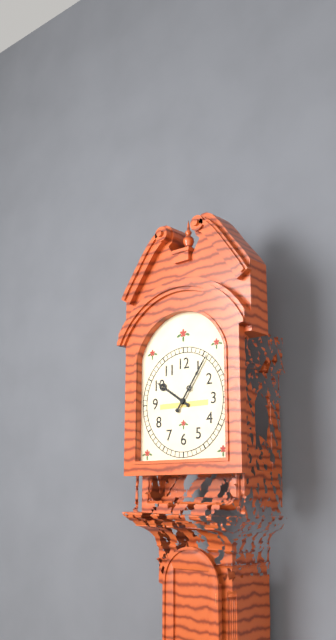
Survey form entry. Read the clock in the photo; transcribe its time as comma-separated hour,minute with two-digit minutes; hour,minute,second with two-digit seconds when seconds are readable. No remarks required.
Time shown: 10,06
